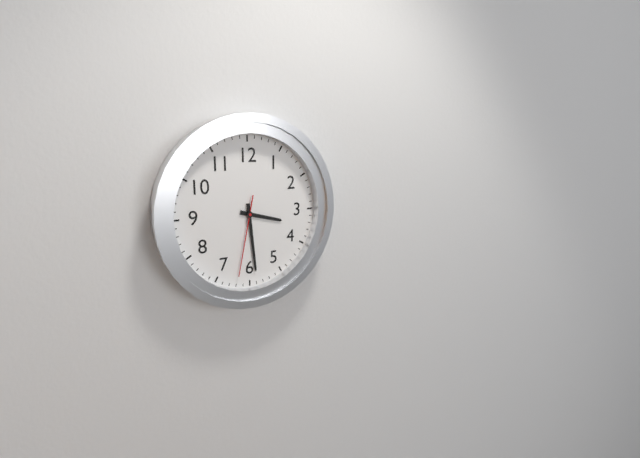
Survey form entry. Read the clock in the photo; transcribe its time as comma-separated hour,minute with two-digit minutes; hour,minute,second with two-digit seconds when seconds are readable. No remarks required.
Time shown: 3,29,32
